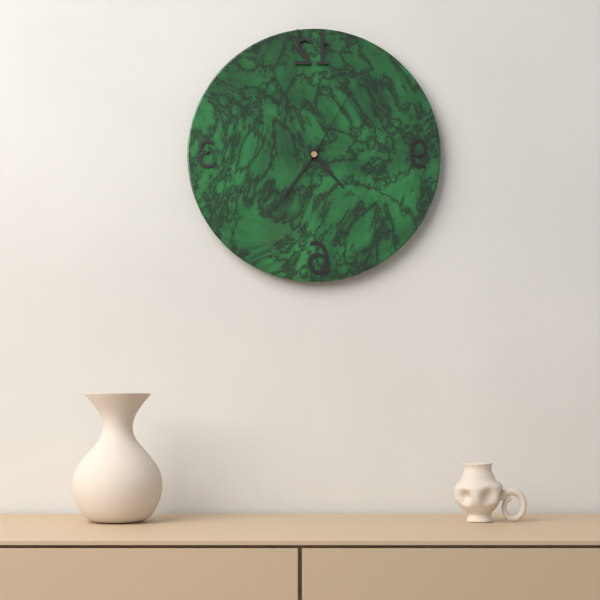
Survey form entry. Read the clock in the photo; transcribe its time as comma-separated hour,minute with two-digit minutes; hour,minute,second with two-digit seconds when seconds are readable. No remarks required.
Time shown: 4,36,05
